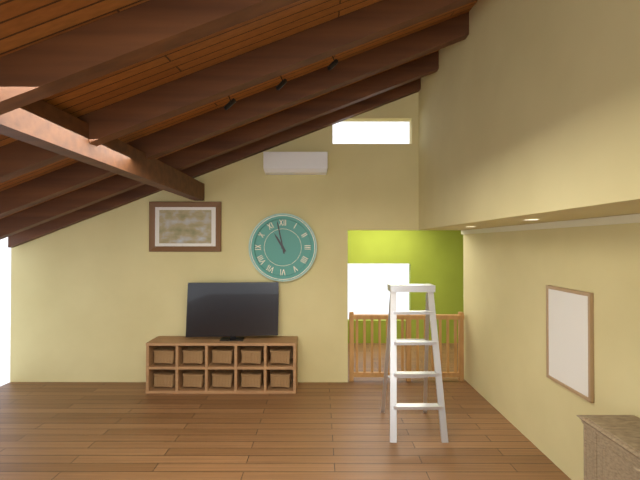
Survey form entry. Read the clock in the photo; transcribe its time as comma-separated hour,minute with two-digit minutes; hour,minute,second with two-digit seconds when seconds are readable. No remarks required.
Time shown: 10,58
